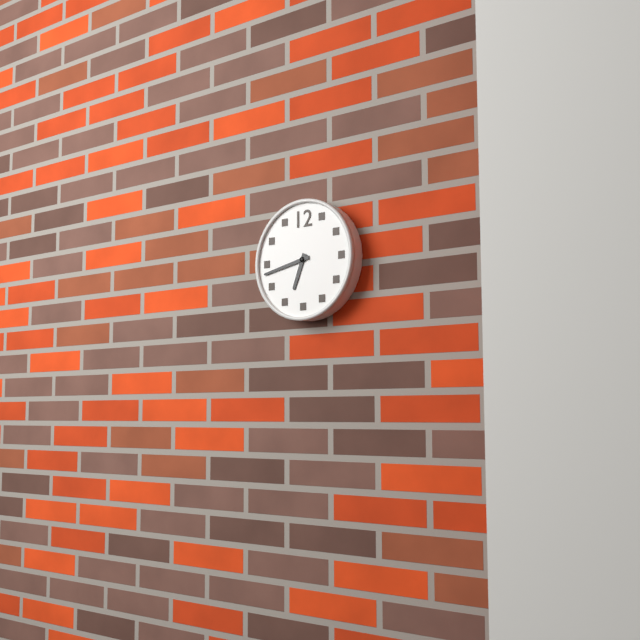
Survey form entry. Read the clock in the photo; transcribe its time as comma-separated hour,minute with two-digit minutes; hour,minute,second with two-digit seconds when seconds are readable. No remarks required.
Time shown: 6,43
